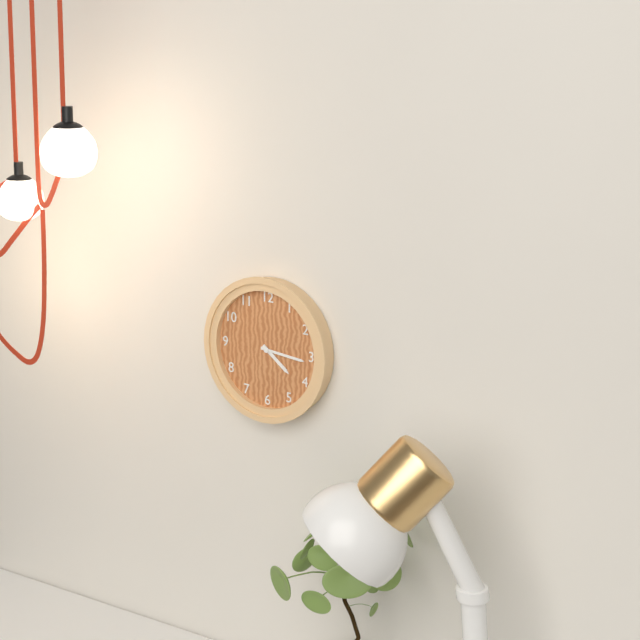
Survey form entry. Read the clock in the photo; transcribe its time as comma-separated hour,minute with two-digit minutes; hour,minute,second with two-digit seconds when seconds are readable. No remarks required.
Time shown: 4,16
